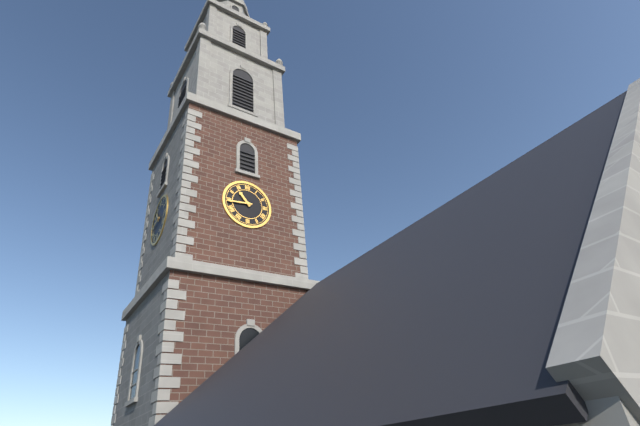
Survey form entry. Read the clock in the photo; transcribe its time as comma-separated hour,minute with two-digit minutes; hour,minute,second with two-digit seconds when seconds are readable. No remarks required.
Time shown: 10,44
